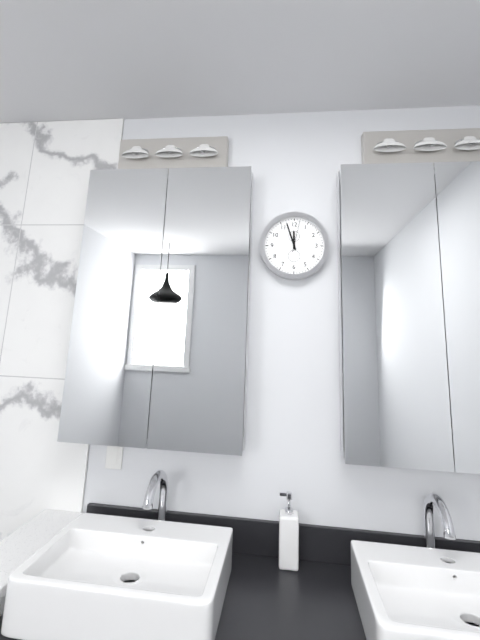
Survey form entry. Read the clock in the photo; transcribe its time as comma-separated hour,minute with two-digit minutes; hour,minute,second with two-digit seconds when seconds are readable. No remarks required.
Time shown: 11,57
